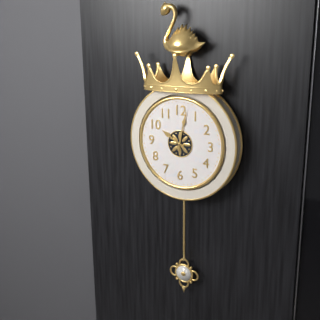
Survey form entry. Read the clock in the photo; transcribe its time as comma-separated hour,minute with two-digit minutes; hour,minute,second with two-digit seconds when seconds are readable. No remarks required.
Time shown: 10,02
